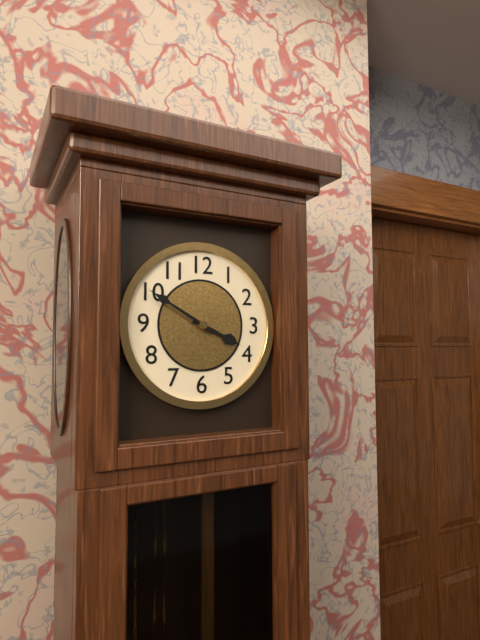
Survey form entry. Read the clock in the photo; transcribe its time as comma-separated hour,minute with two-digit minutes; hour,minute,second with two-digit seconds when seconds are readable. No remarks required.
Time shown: 3,50
